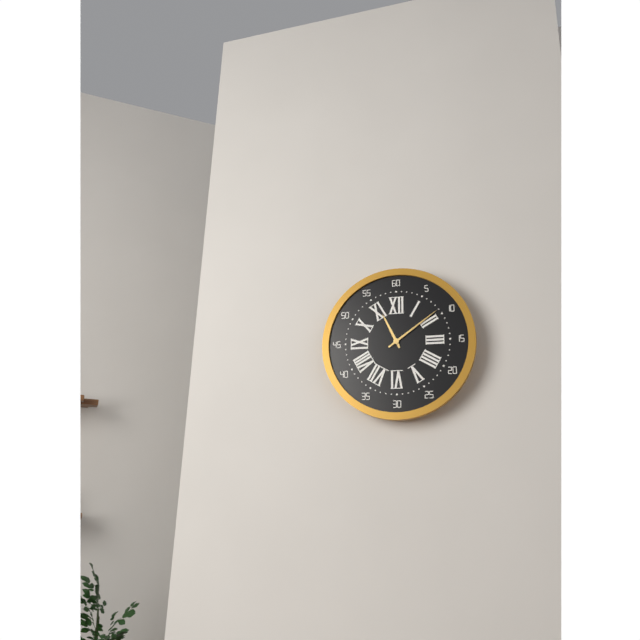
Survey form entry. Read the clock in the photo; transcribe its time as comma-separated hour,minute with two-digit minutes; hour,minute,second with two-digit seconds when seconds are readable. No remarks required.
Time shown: 11,09
